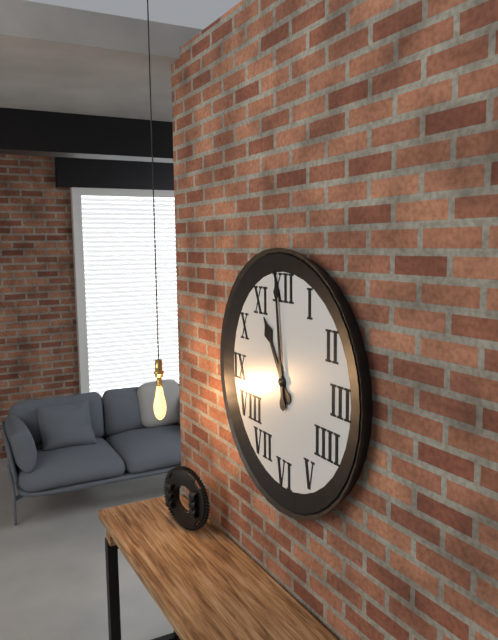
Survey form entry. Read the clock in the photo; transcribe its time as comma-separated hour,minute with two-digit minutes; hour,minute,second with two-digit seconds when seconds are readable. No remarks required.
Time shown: 10,59
